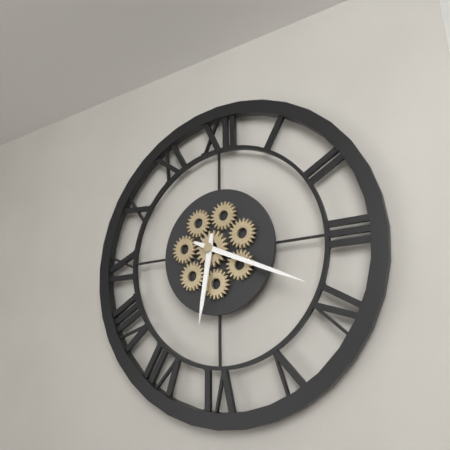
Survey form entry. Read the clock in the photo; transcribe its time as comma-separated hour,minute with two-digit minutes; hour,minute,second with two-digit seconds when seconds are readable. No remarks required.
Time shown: 6,19
